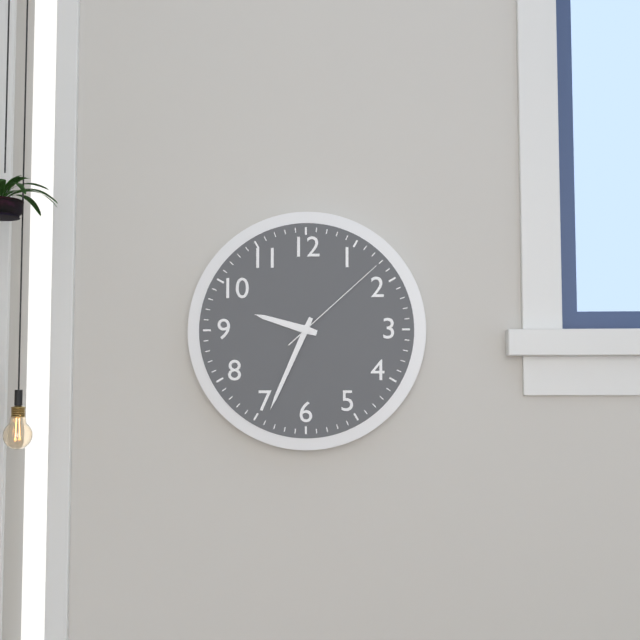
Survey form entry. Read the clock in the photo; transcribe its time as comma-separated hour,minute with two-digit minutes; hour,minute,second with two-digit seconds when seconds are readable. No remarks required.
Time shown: 9,34,08
